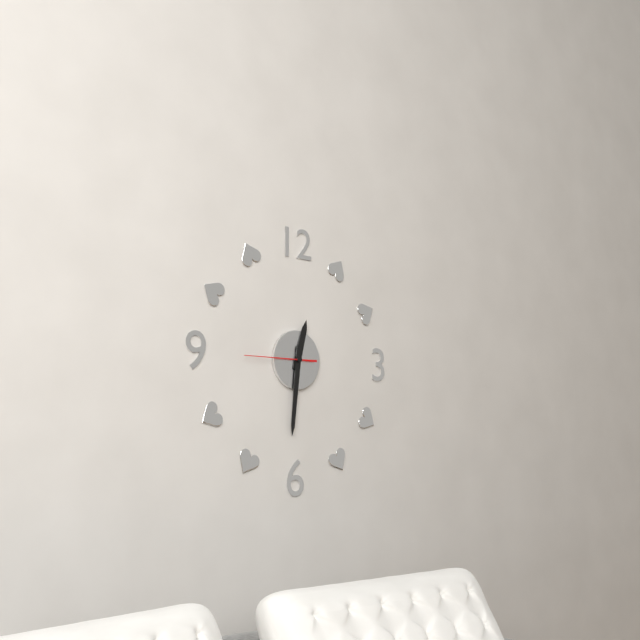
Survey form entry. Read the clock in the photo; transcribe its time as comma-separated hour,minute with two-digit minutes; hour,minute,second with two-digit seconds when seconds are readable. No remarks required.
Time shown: 12,31,45
